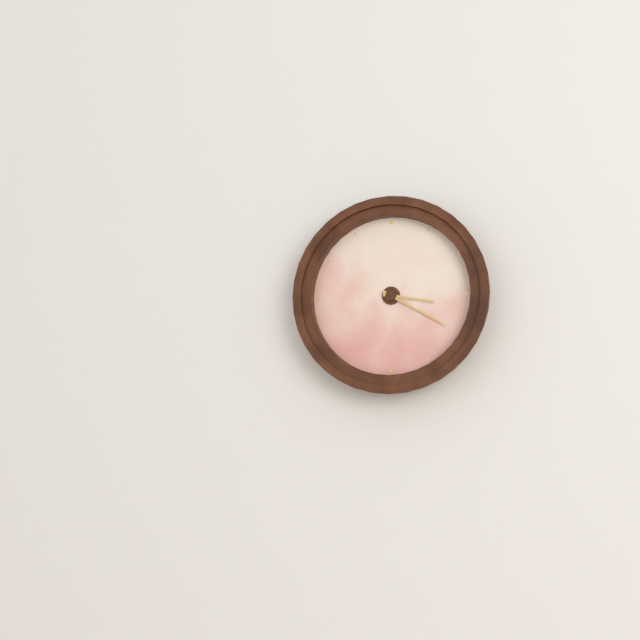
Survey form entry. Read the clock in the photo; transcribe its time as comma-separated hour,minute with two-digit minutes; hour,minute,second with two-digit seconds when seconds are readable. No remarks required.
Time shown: 3,20
